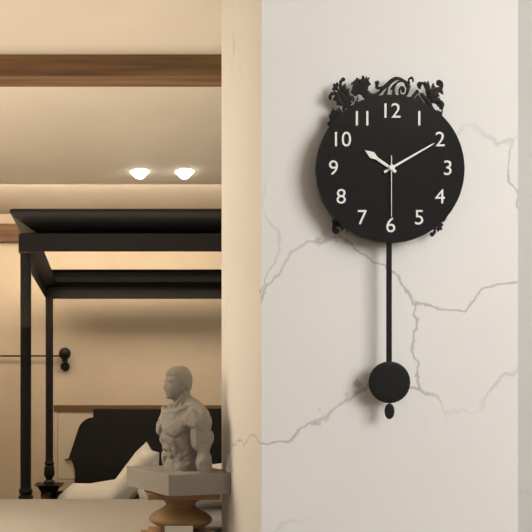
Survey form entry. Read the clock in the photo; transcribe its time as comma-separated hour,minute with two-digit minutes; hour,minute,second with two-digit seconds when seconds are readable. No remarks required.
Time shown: 10,10,30
